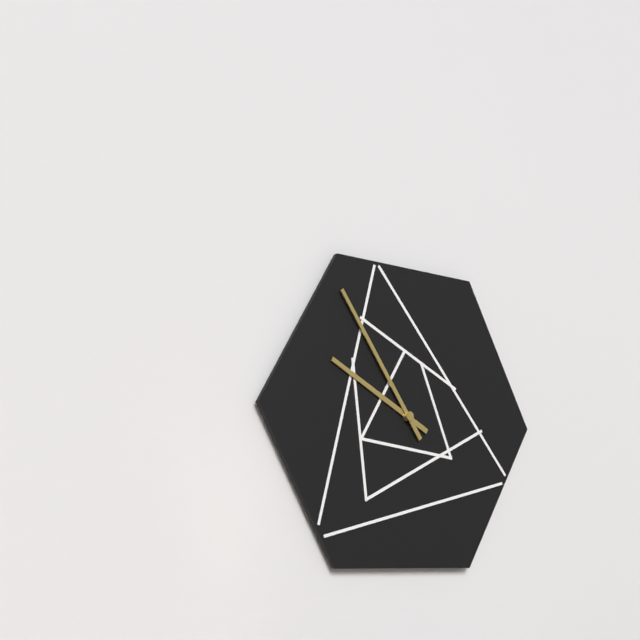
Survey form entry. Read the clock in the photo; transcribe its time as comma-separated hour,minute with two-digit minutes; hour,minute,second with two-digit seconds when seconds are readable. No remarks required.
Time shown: 9,54
